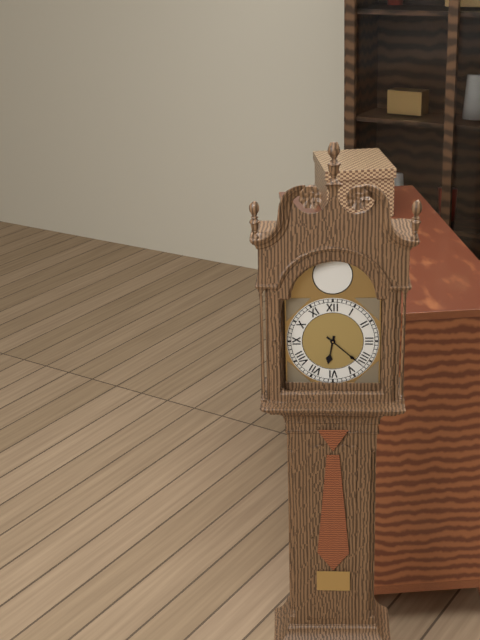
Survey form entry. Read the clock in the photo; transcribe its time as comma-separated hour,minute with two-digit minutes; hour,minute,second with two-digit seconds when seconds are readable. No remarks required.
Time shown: 6,22
